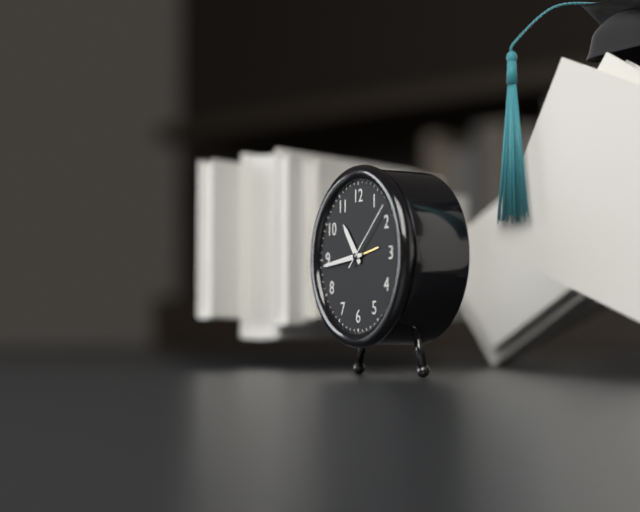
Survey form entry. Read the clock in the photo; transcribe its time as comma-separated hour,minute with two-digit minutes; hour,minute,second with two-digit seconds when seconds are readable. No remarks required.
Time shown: 10,44,08
